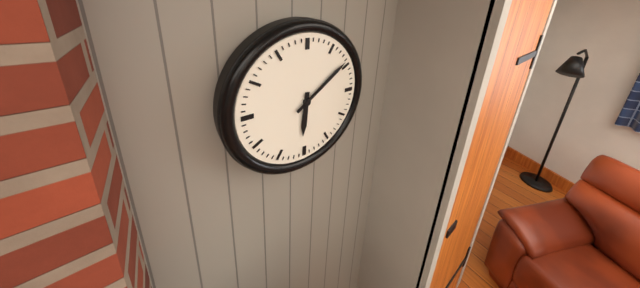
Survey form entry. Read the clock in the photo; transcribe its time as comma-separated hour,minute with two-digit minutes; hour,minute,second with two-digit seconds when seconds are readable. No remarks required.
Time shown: 6,09
